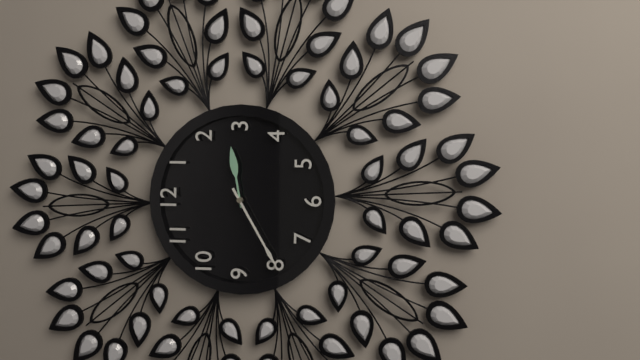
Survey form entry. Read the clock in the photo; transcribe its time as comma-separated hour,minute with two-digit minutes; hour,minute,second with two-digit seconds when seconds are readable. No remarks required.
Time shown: 2,40
